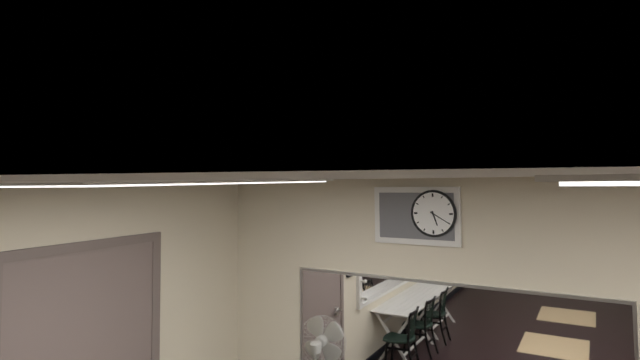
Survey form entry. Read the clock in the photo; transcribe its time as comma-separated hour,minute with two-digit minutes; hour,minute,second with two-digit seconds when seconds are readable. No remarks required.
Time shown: 5,20
